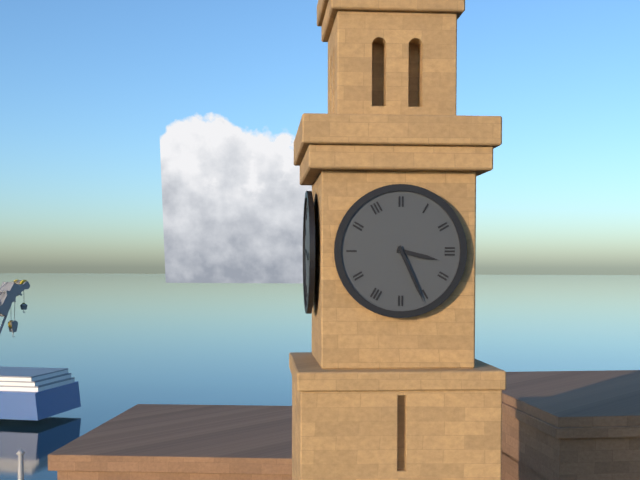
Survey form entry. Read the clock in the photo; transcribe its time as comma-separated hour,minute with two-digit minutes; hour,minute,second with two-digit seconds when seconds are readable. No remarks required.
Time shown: 3,26
